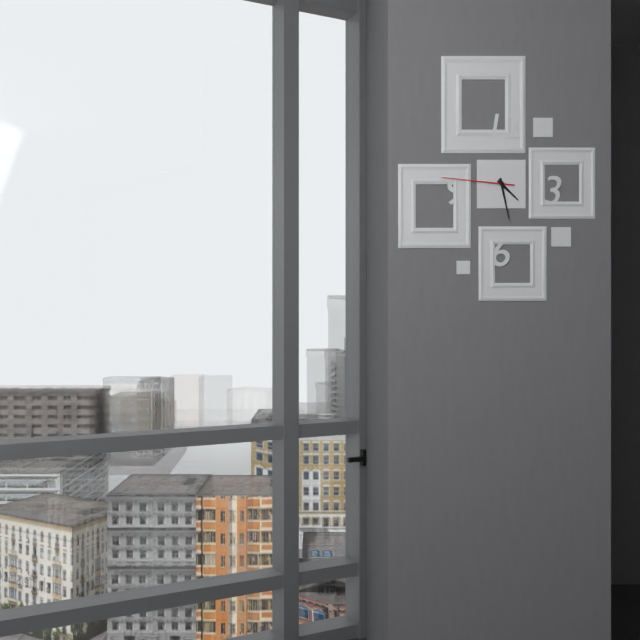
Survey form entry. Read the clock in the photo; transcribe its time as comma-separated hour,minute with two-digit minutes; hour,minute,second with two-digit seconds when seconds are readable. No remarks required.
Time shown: 4,28,46
